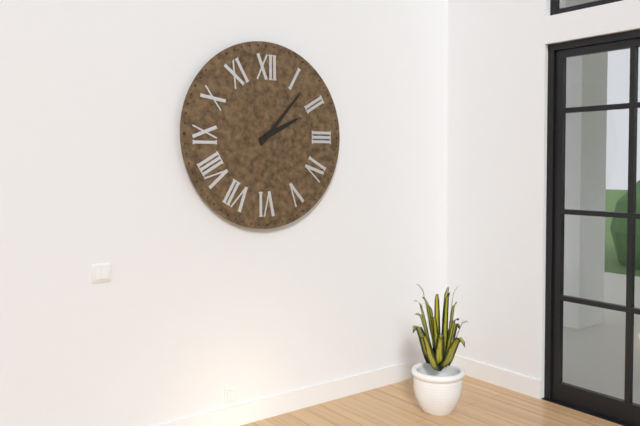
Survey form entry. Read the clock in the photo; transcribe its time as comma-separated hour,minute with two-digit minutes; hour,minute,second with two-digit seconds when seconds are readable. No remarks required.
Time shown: 2,07
